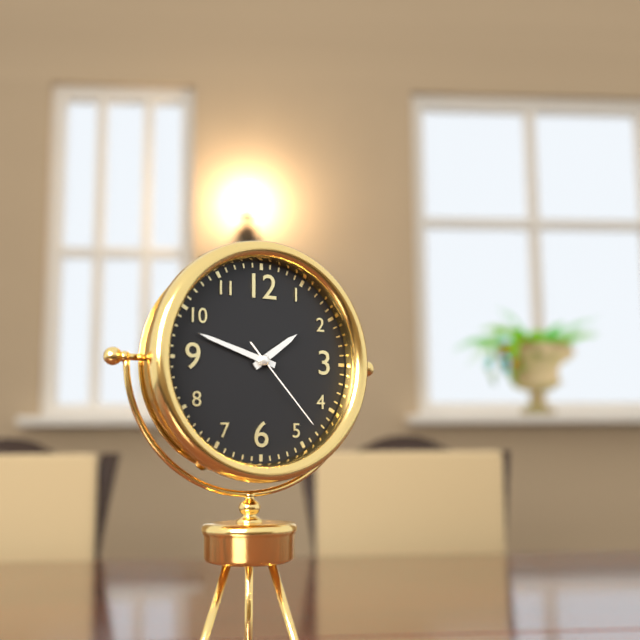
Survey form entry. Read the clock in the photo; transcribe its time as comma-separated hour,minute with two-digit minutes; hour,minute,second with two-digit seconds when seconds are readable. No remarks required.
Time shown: 1,48,23
